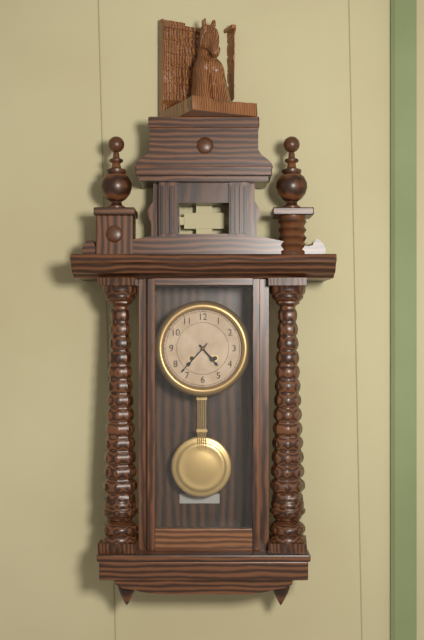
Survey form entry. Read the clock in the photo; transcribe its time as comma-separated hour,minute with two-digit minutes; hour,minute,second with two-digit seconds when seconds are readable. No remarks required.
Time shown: 4,37
